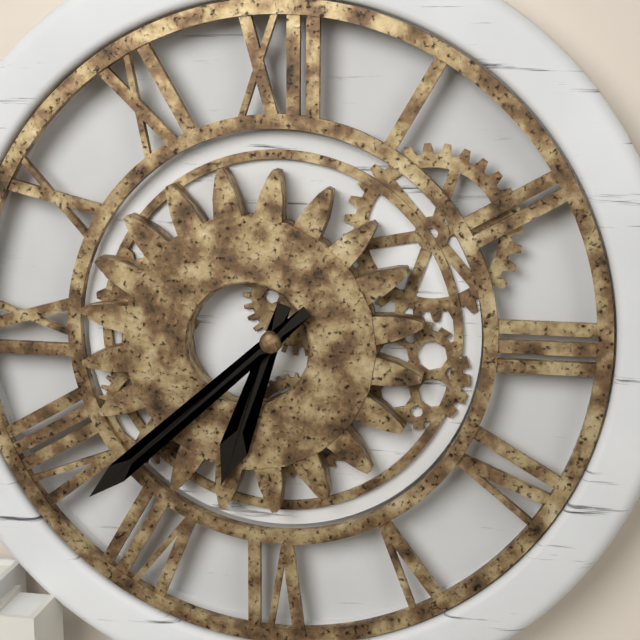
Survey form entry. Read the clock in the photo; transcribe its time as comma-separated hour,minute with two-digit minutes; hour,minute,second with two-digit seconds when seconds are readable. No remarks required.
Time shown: 6,38
